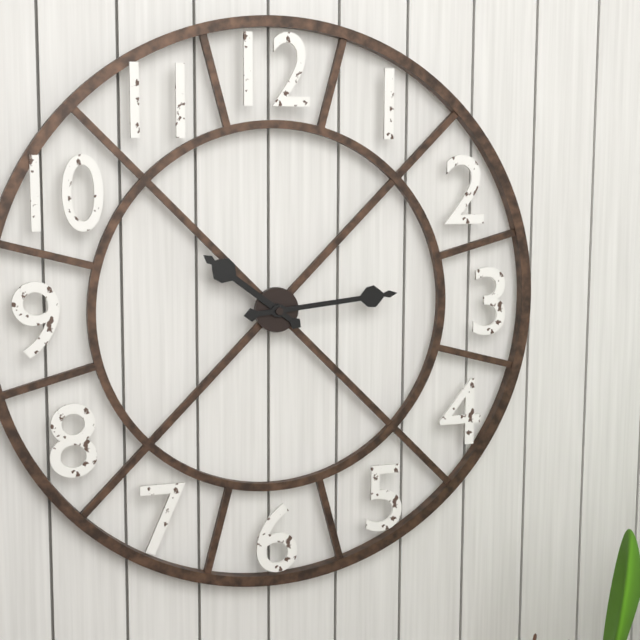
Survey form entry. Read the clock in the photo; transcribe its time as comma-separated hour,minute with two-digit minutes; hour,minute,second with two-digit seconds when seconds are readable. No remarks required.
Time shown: 10,14
